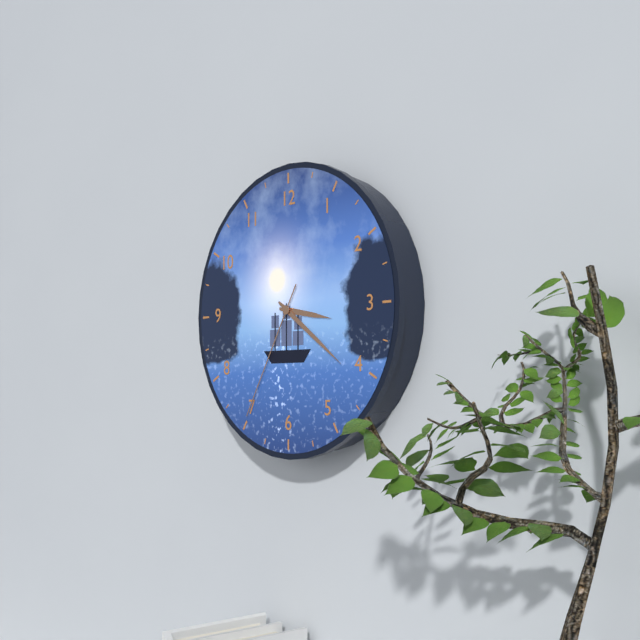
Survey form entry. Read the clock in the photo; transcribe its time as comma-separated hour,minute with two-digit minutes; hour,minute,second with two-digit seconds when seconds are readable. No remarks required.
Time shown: 3,21,35
